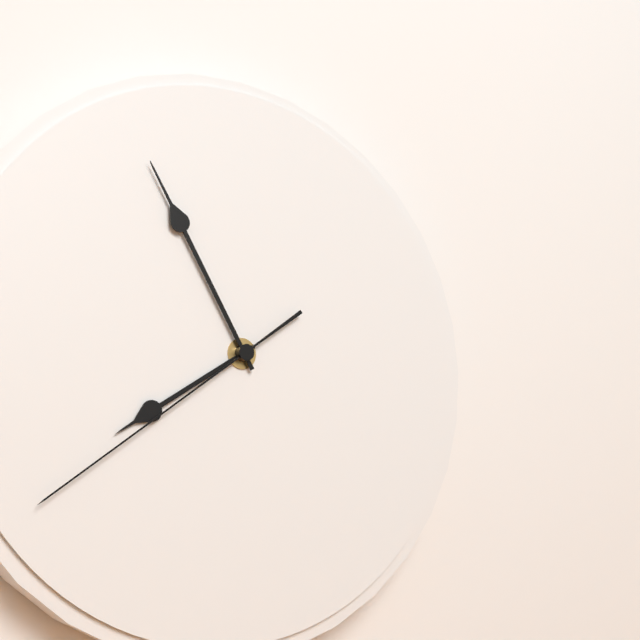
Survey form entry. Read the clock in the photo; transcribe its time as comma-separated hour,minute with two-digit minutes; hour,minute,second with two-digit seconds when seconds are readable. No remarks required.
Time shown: 7,55,39
